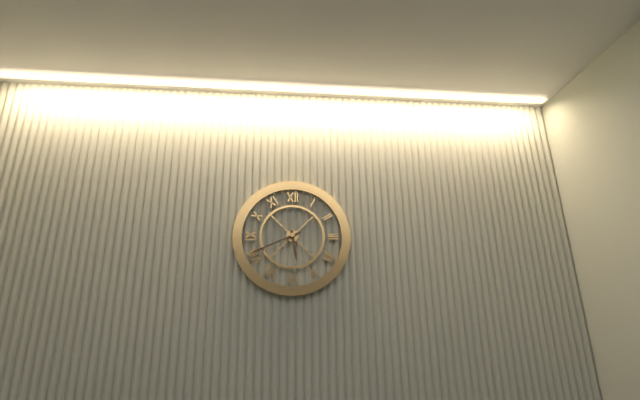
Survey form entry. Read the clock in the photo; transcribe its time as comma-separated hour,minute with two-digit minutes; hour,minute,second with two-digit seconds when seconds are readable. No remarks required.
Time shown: 5,41
